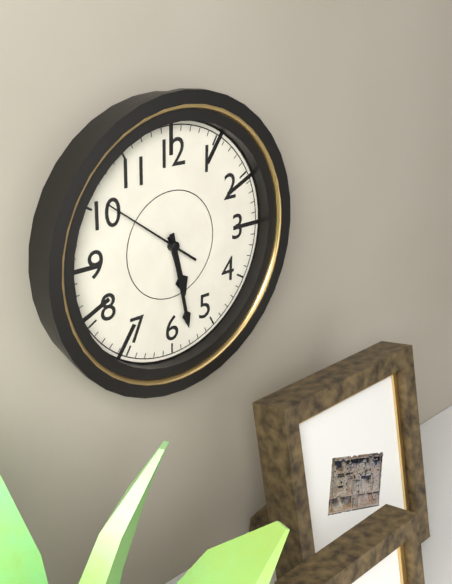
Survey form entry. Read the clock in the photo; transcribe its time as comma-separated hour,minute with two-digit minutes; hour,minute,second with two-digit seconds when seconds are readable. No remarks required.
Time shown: 5,28,51
